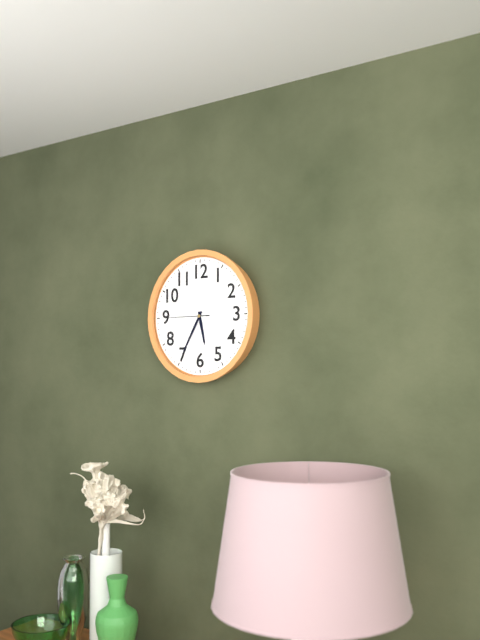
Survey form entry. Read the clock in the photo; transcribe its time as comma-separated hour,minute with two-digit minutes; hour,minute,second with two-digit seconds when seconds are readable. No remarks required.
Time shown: 5,35
